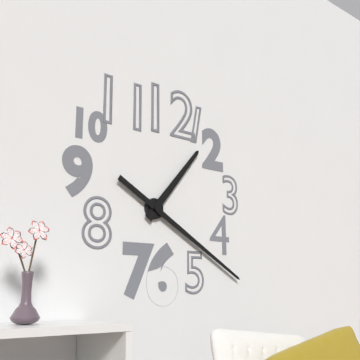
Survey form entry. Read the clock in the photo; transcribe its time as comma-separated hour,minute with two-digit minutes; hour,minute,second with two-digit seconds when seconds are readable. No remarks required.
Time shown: 1,20
